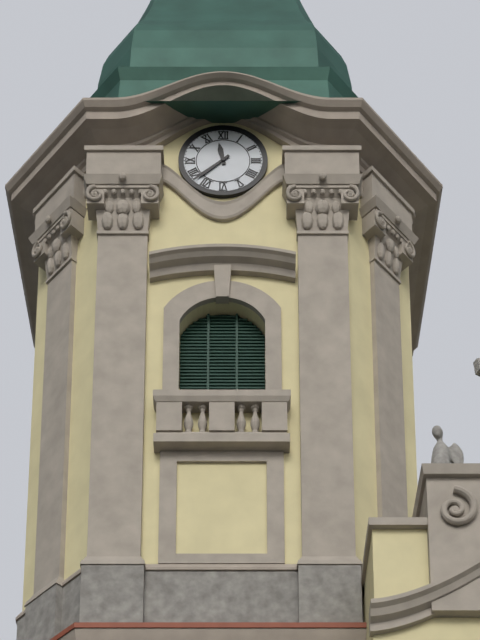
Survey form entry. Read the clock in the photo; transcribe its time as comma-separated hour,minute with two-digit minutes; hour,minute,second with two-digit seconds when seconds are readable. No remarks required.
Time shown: 11,38
